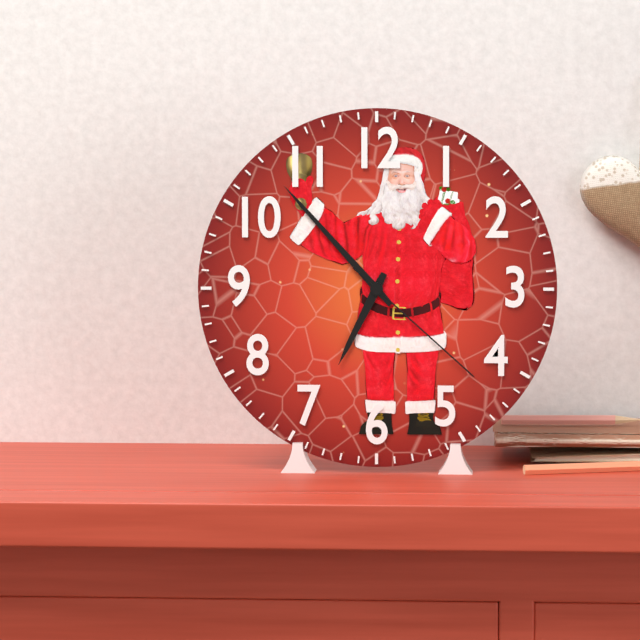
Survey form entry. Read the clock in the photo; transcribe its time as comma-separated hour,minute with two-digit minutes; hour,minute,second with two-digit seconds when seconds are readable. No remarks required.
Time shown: 6,53,22
